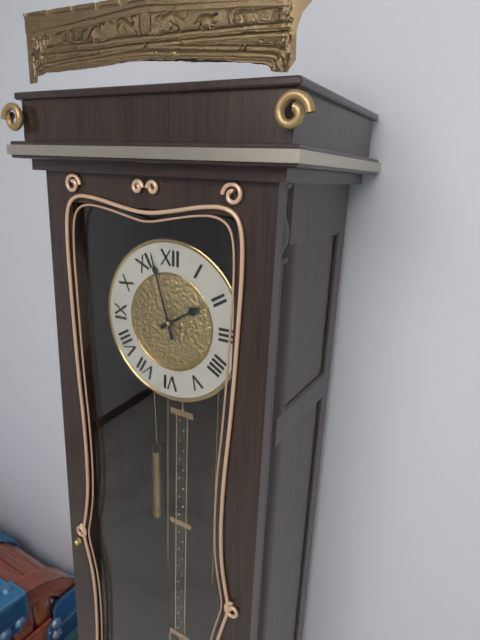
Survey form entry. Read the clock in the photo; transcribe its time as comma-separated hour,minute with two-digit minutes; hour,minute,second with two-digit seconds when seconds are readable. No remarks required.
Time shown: 1,57
